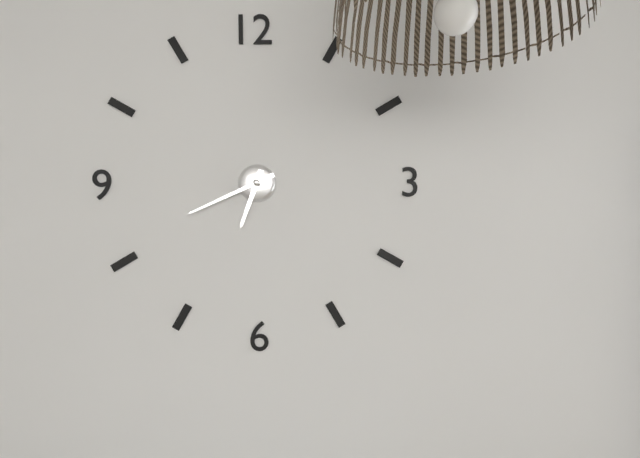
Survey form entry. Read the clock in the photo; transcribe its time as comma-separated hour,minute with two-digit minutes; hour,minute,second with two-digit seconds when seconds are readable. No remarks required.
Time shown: 6,41
